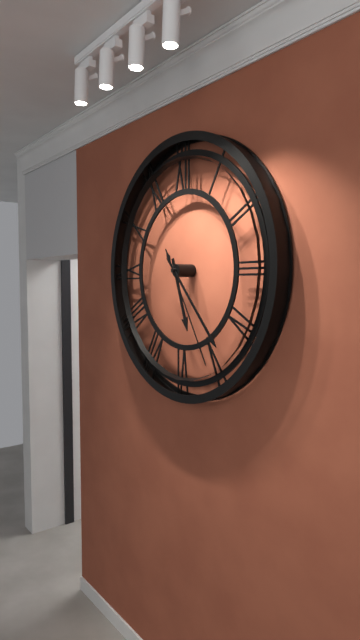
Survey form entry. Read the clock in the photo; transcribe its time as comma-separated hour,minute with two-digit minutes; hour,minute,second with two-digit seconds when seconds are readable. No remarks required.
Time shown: 5,23,25
